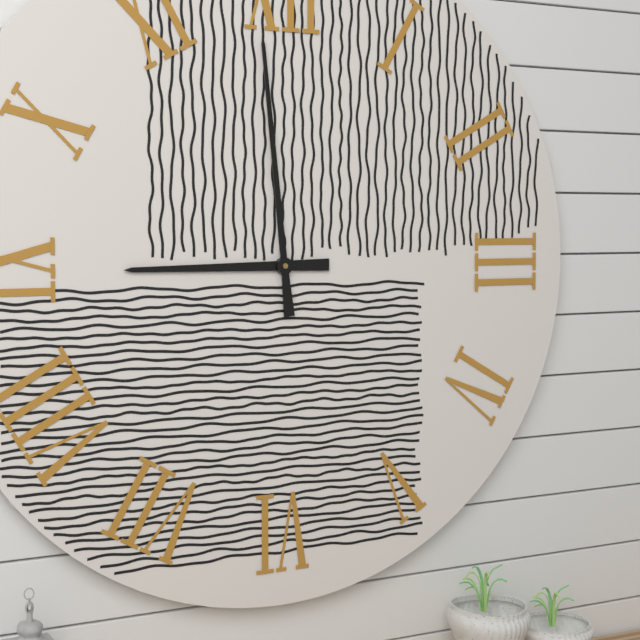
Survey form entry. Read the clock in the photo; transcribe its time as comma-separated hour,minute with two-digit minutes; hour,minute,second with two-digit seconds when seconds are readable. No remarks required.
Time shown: 8,59
